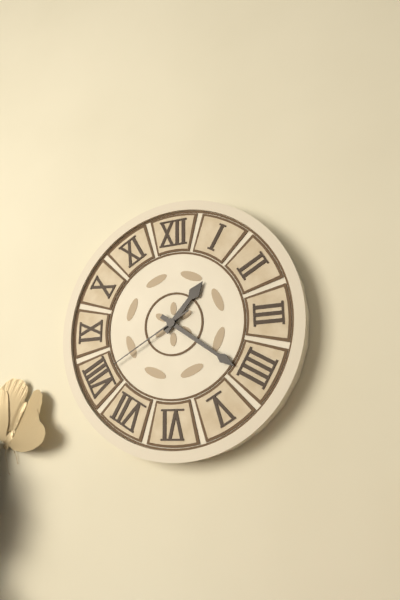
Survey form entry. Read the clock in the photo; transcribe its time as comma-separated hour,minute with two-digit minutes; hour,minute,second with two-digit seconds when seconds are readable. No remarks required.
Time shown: 1,21,40
